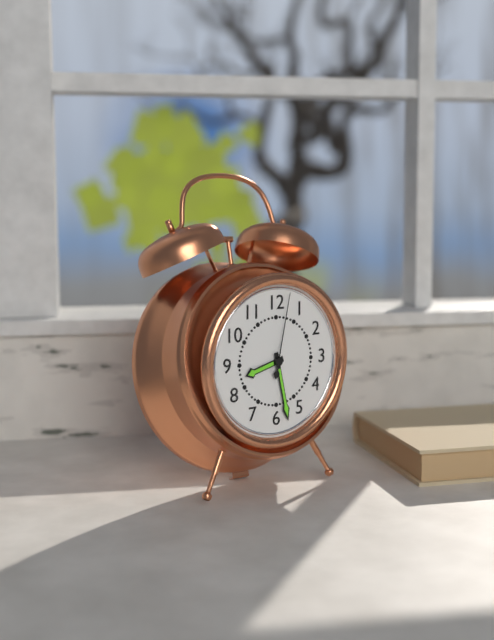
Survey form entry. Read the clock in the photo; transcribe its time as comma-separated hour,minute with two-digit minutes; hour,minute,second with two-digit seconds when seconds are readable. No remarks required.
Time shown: 8,28,02
